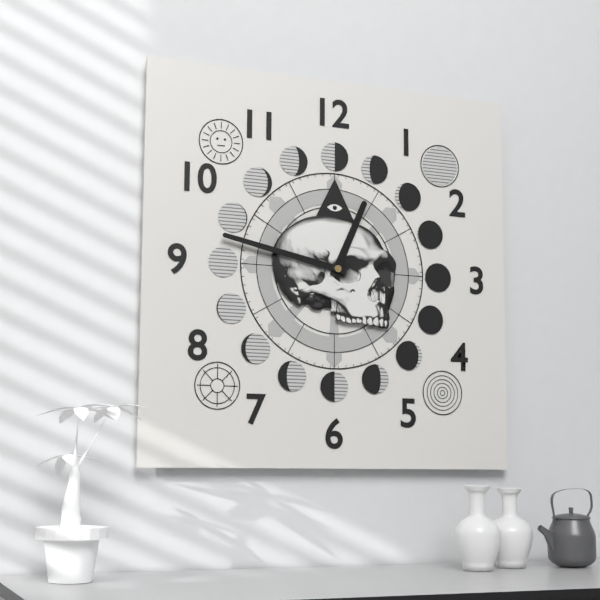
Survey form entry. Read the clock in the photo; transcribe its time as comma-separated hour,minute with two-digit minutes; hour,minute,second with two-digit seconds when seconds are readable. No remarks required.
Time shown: 12,47
